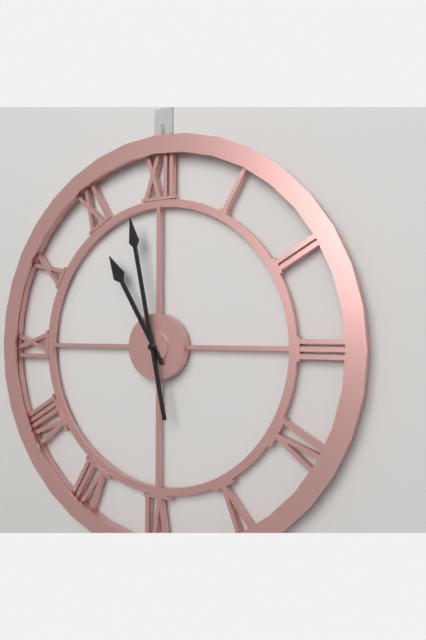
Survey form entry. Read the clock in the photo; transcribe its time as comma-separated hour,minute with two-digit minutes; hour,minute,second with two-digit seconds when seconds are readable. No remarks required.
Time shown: 10,58
